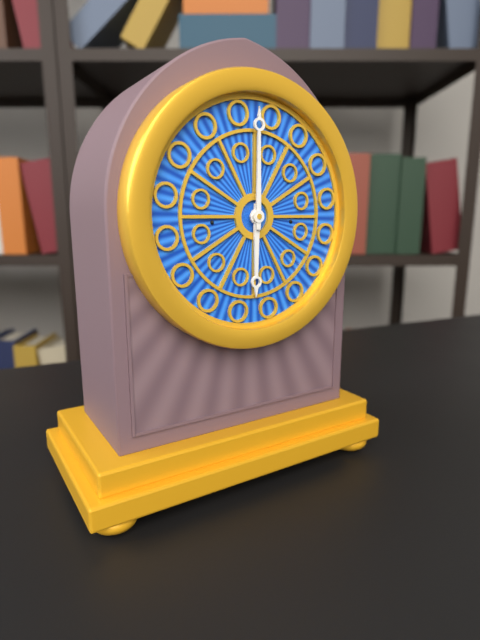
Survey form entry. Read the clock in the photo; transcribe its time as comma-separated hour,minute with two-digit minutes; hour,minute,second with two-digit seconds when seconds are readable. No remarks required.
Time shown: 6,00
